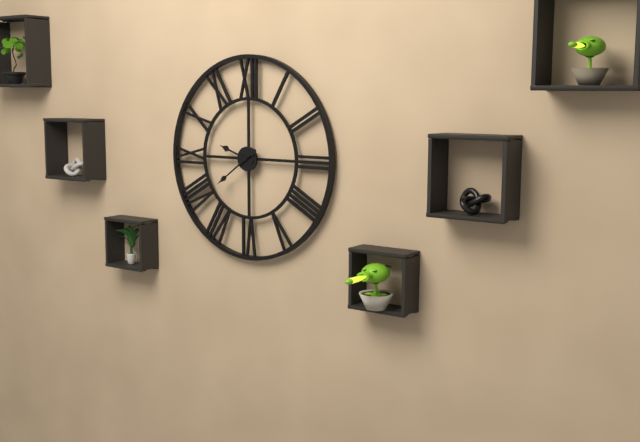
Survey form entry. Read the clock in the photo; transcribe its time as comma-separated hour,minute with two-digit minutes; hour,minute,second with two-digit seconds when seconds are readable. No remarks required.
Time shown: 9,39
